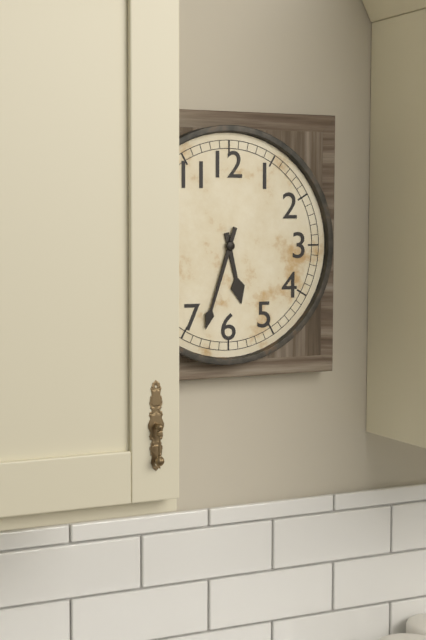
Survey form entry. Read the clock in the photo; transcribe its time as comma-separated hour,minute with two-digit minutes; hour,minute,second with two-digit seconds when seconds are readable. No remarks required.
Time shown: 5,33
